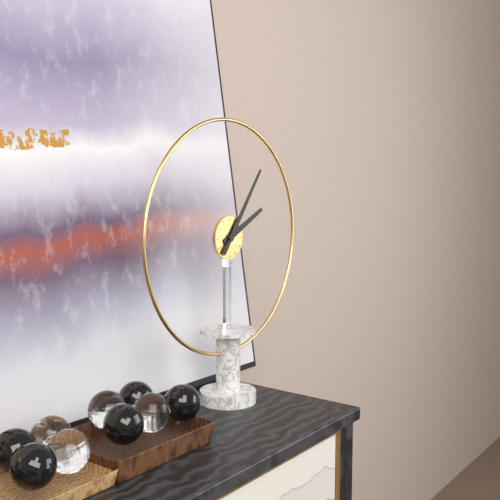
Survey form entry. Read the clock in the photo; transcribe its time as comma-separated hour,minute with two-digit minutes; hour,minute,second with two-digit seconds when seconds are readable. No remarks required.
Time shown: 2,06
